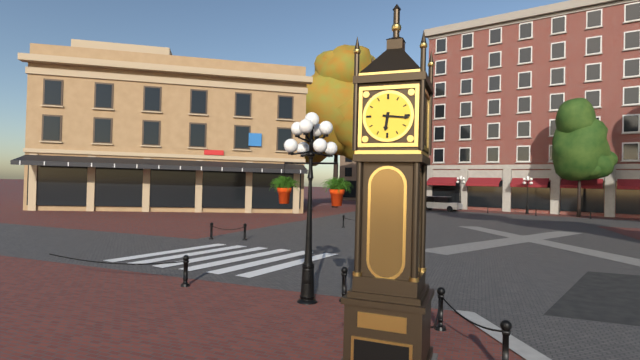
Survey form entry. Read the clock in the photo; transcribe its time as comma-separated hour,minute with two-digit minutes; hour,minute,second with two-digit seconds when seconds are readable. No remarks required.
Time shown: 6,16
